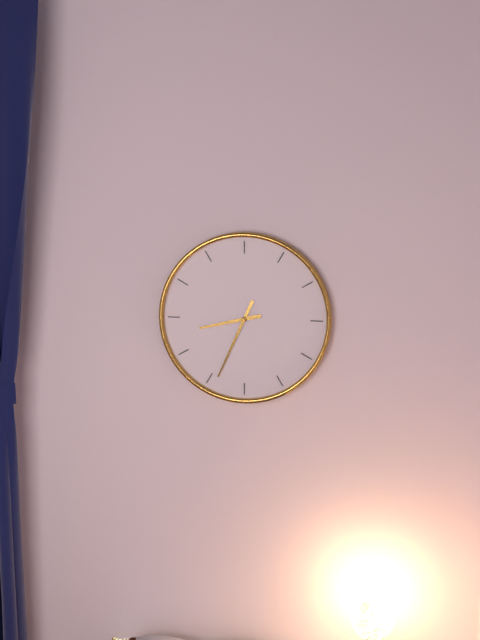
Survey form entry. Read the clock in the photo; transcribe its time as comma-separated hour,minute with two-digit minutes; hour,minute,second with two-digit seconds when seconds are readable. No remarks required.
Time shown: 8,34
